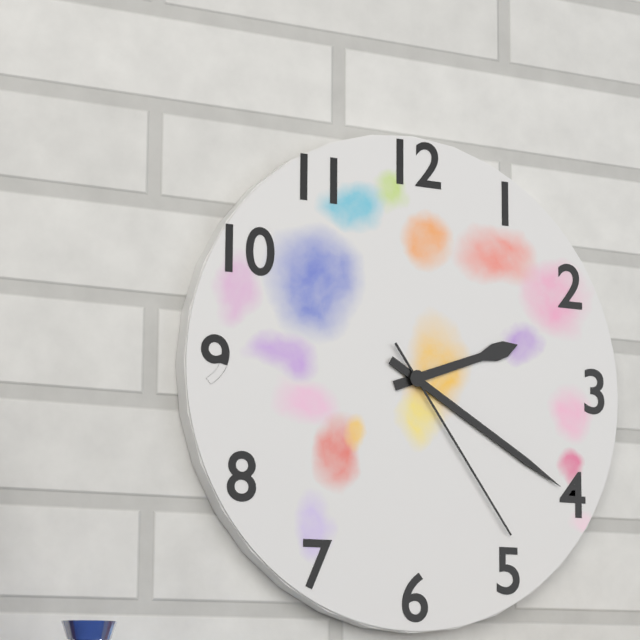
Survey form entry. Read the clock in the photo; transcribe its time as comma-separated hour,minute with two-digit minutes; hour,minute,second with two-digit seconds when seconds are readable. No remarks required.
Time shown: 2,20,24
